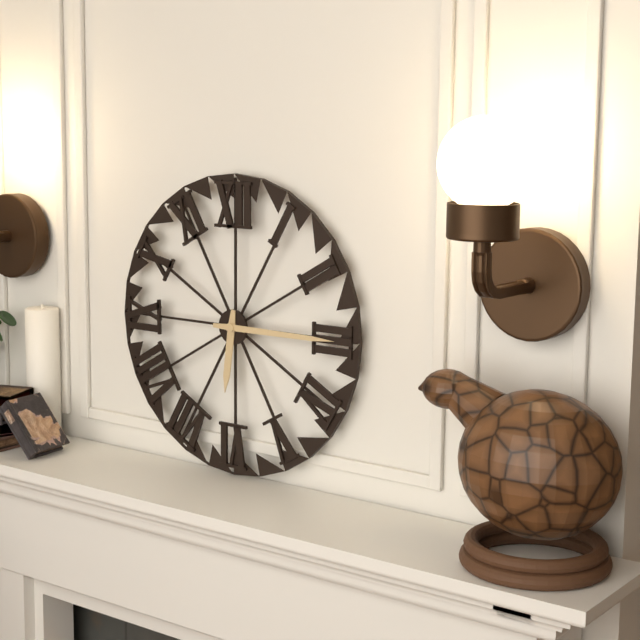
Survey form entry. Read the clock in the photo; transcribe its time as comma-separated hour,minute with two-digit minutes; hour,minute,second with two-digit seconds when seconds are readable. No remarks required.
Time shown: 6,15
